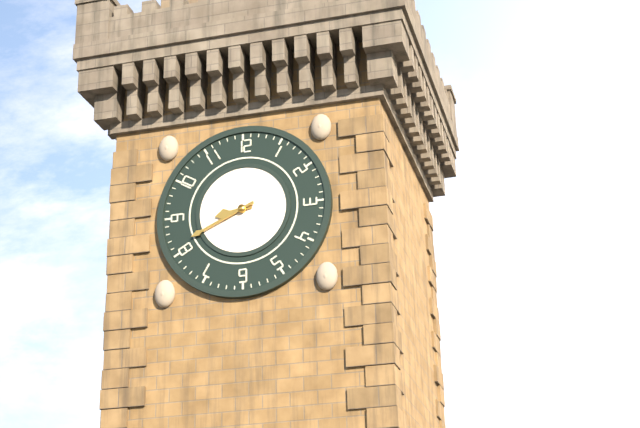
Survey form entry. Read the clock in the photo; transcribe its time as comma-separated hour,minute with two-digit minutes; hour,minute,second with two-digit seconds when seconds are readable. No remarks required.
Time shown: 8,41
